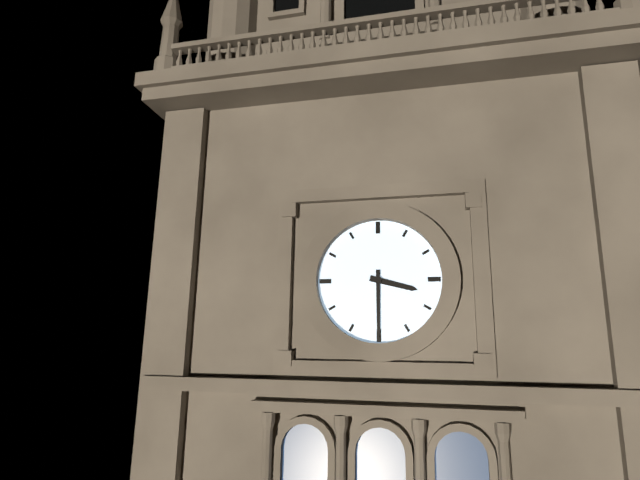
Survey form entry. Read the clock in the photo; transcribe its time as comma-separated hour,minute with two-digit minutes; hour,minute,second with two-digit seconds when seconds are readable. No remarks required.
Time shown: 3,30
